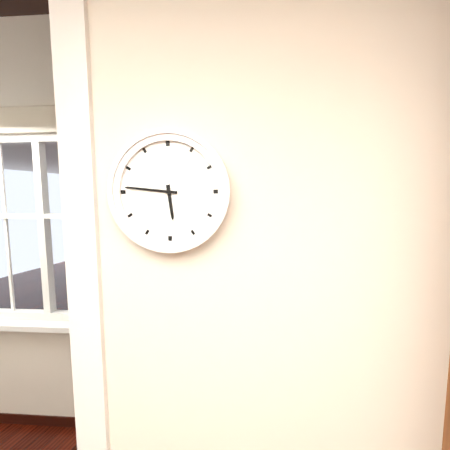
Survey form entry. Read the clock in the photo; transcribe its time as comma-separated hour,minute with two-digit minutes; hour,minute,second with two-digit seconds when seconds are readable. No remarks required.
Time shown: 5,46
